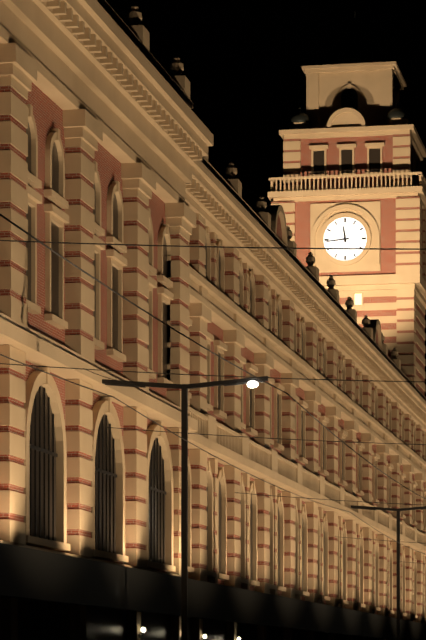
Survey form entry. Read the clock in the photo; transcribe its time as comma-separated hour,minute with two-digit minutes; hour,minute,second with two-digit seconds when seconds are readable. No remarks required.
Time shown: 11,44
